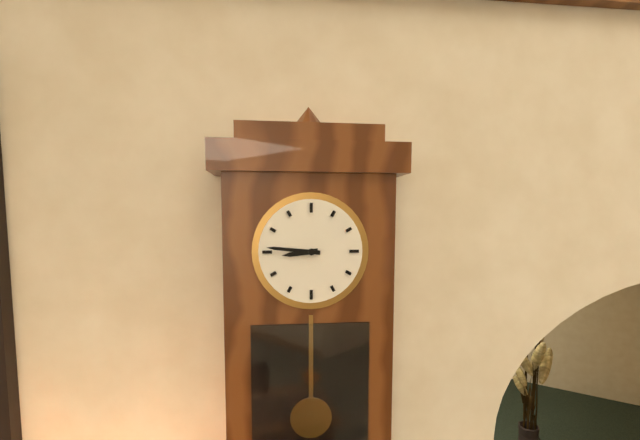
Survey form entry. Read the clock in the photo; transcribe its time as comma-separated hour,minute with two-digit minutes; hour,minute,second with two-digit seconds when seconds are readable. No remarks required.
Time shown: 8,46
